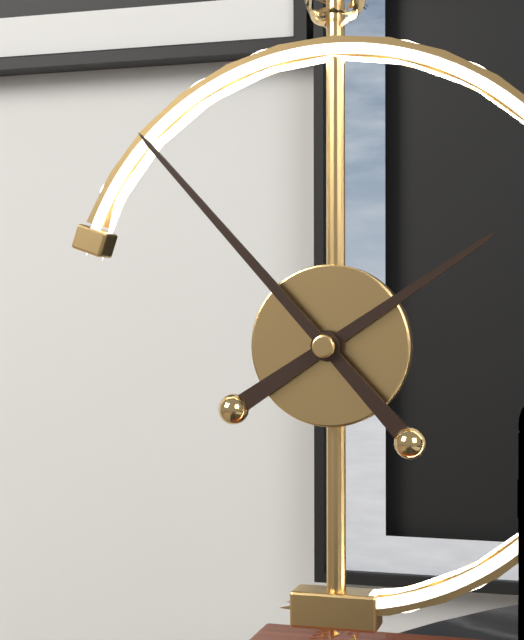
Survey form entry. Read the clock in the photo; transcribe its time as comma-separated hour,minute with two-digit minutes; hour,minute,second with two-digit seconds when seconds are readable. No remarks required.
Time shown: 1,53
